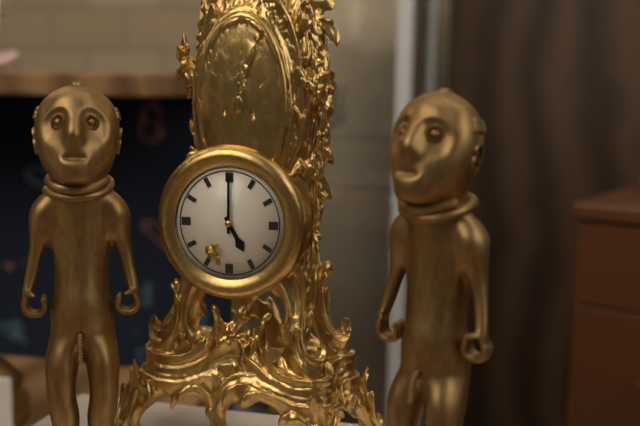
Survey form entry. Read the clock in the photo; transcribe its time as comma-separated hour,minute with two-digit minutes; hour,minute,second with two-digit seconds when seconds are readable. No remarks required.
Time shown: 5,00
